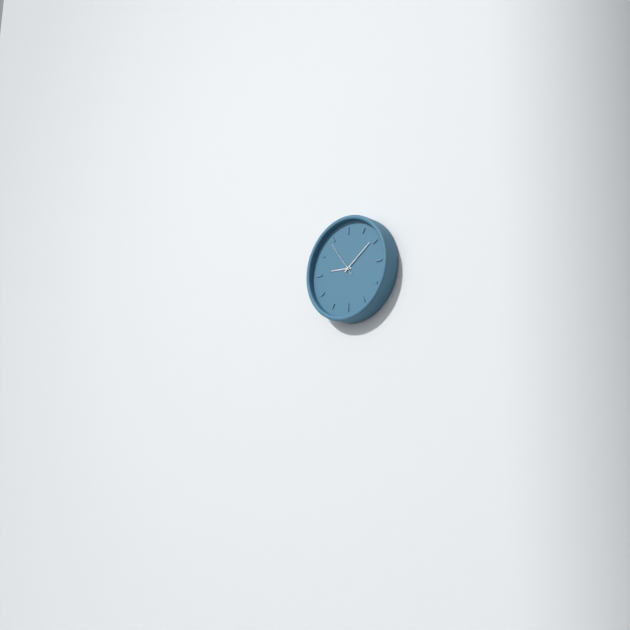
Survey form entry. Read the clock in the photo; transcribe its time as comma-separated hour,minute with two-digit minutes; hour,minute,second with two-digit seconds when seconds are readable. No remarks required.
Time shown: 9,09
